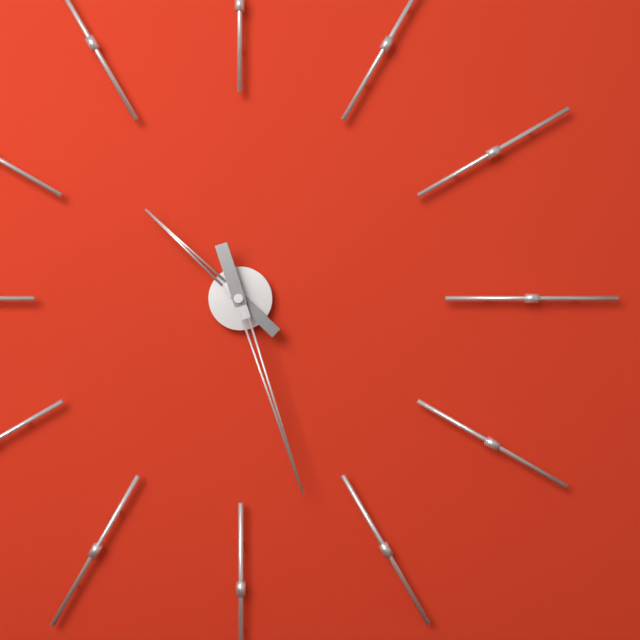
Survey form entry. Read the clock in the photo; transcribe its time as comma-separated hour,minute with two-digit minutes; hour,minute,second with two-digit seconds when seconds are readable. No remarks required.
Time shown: 10,27
